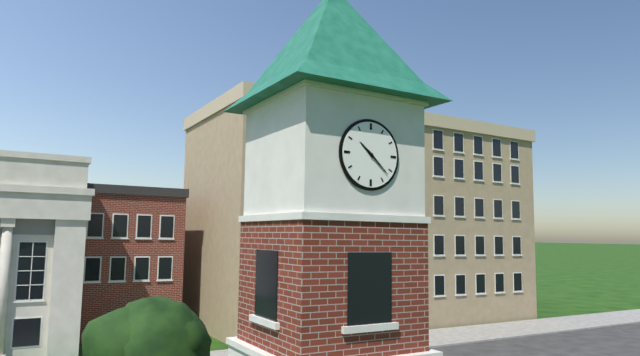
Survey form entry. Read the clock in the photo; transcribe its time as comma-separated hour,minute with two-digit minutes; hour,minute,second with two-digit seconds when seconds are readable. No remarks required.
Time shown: 10,22
